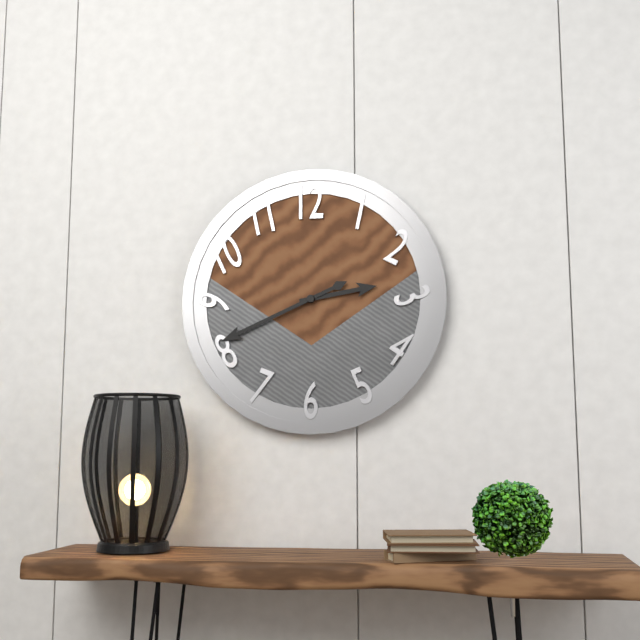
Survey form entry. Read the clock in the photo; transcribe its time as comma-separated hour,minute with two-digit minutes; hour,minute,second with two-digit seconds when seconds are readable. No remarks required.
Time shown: 2,41
